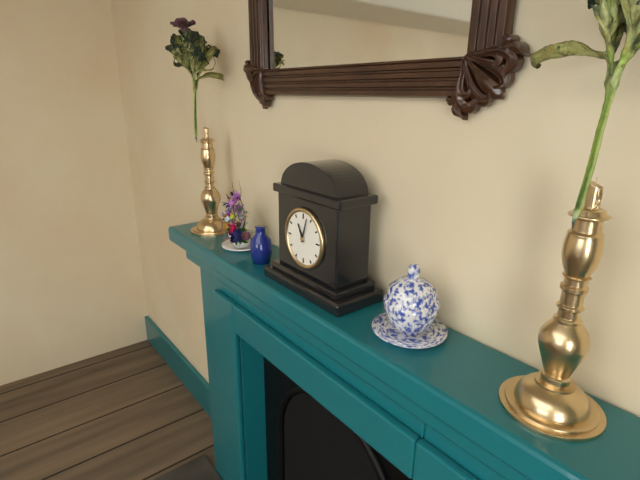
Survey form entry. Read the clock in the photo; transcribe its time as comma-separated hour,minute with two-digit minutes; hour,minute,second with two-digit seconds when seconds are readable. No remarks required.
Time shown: 11,03
